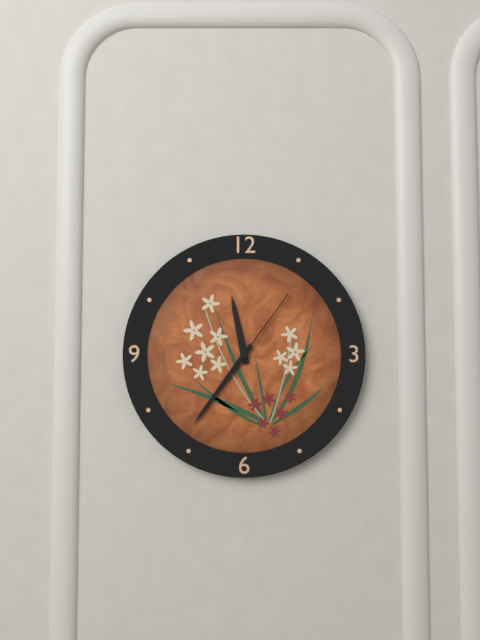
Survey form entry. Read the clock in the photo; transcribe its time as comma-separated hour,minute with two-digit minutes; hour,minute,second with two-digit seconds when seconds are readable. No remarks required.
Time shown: 11,36,06
